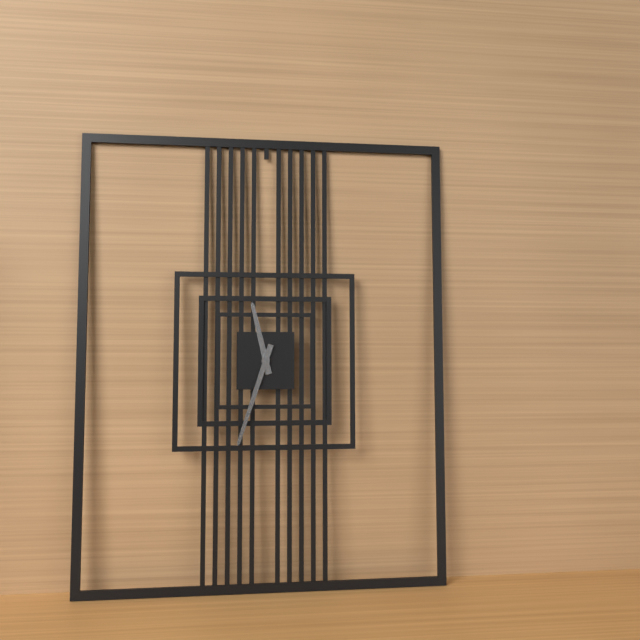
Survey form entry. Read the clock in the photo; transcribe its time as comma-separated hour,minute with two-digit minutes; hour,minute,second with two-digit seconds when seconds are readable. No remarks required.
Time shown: 11,33
